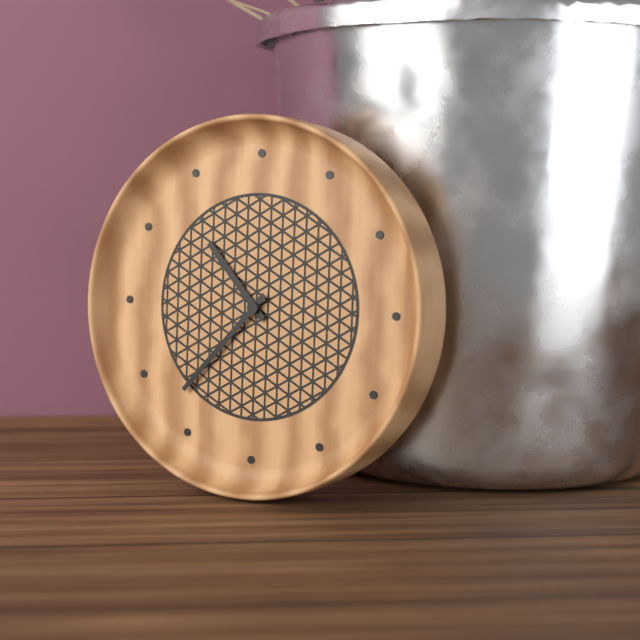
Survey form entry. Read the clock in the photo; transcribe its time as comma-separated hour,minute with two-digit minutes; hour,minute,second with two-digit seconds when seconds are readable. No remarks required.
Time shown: 10,37
